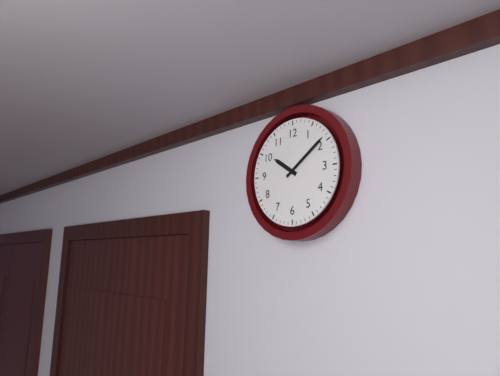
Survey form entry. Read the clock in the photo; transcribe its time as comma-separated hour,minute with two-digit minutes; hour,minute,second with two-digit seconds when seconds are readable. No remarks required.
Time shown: 10,09
